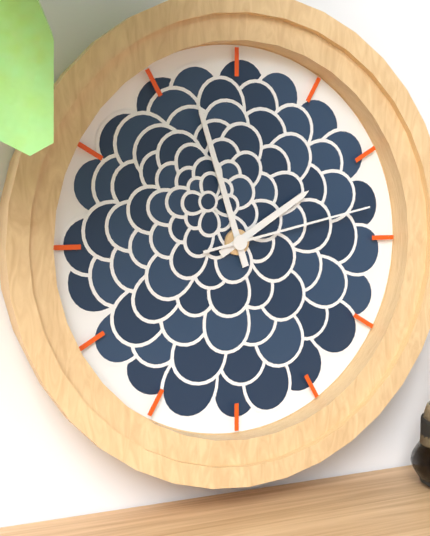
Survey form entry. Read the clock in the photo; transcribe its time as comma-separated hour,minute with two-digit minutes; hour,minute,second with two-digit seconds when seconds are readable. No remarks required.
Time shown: 1,57,13
